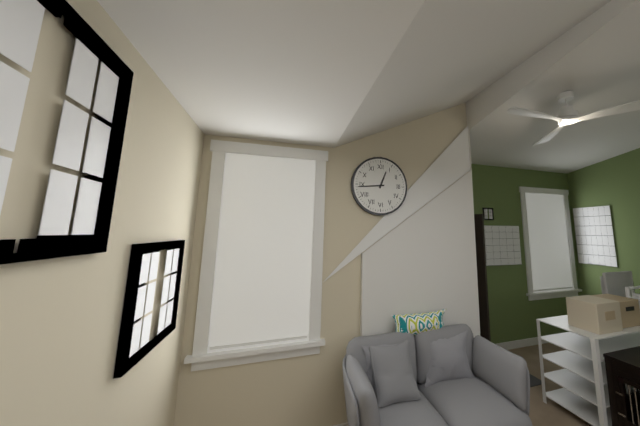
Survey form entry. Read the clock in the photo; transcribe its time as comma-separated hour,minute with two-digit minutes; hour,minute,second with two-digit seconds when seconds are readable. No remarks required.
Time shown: 12,44
